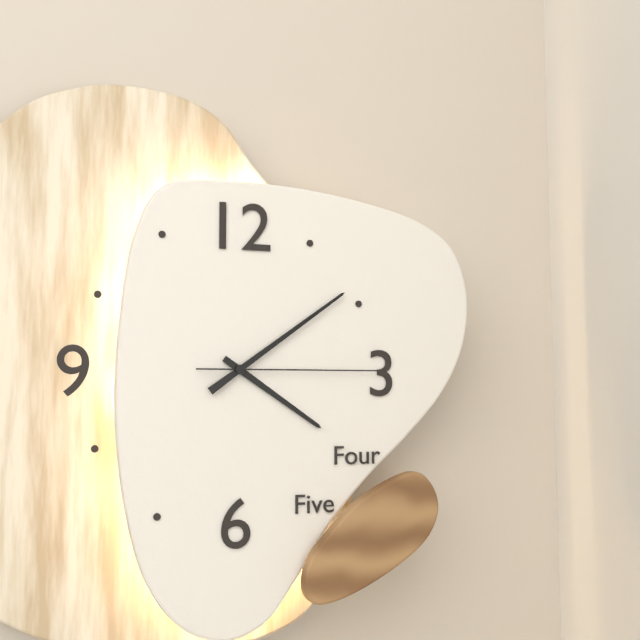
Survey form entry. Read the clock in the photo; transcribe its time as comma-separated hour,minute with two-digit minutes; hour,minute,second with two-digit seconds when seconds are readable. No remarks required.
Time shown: 4,09,15
